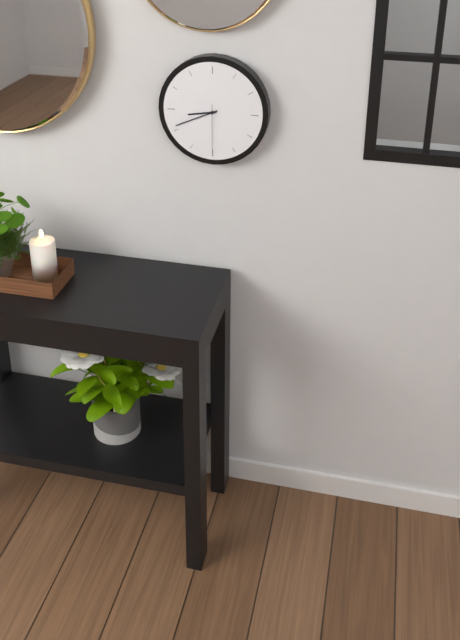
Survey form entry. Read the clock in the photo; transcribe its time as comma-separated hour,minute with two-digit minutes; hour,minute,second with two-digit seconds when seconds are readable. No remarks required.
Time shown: 8,41,30
